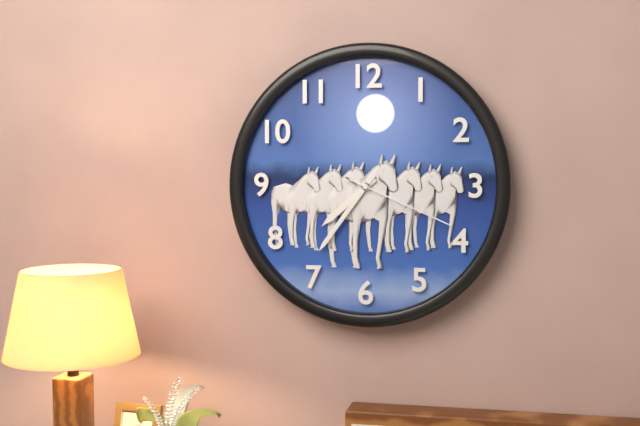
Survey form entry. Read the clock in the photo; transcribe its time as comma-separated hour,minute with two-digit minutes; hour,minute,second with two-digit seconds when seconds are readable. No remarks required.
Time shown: 7,36,19
